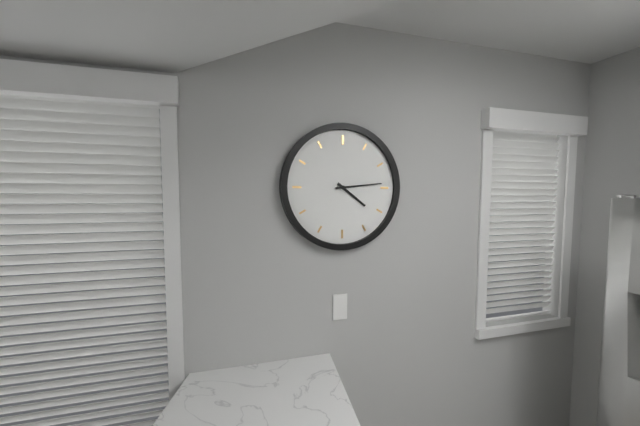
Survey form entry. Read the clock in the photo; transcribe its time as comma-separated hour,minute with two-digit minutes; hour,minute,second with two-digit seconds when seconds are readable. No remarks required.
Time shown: 4,14
